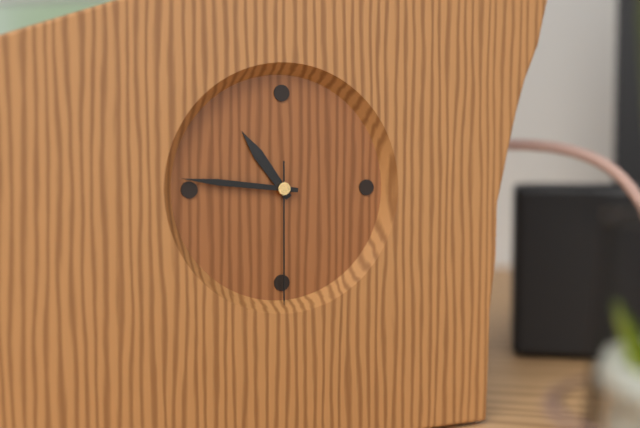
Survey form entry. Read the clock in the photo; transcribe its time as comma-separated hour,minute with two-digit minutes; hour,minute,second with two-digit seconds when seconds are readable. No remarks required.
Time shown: 10,46,30
